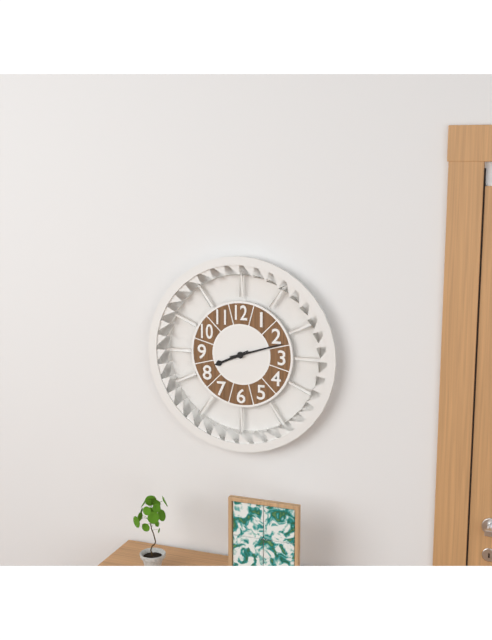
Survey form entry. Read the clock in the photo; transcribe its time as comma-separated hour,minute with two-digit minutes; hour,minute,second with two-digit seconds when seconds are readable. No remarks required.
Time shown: 8,12
